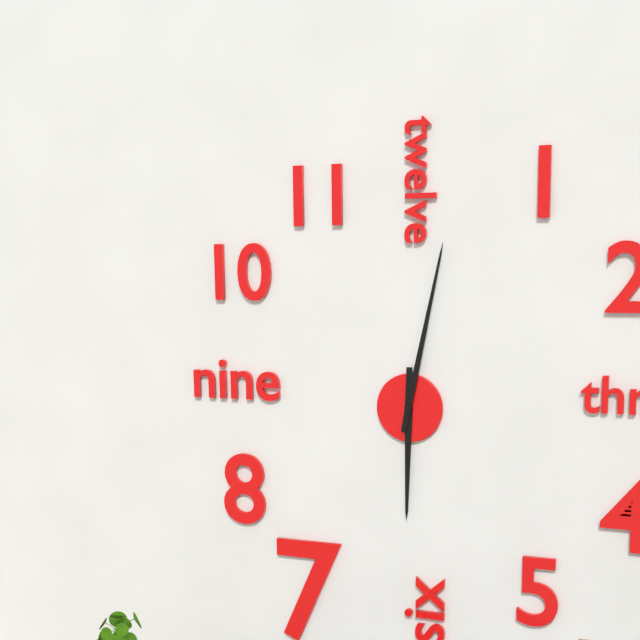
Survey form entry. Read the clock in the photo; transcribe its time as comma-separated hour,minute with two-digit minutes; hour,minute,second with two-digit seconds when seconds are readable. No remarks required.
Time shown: 6,02
